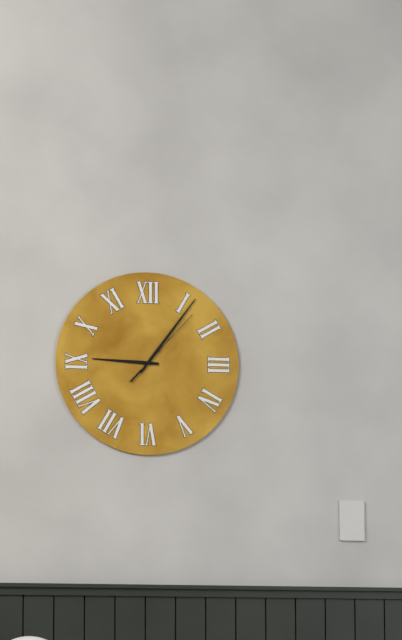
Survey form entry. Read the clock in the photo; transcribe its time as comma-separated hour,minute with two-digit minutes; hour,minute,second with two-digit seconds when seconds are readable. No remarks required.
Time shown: 9,06,07
